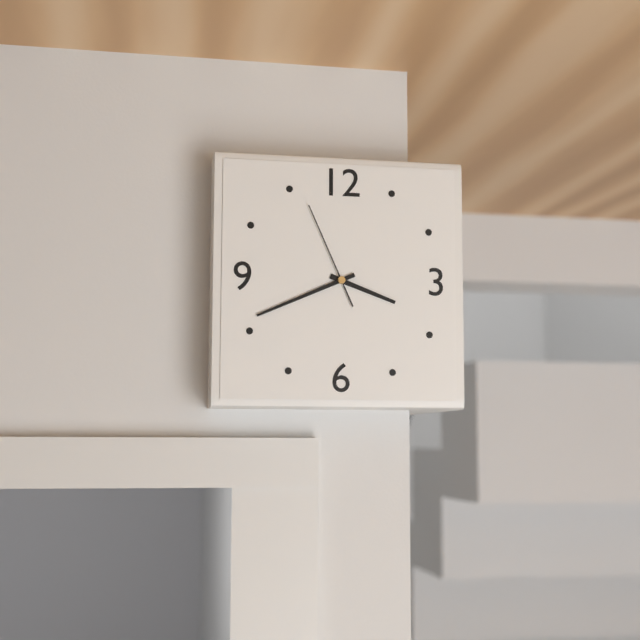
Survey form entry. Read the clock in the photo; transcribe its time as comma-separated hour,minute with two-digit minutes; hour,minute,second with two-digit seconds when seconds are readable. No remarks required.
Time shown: 3,41,56
